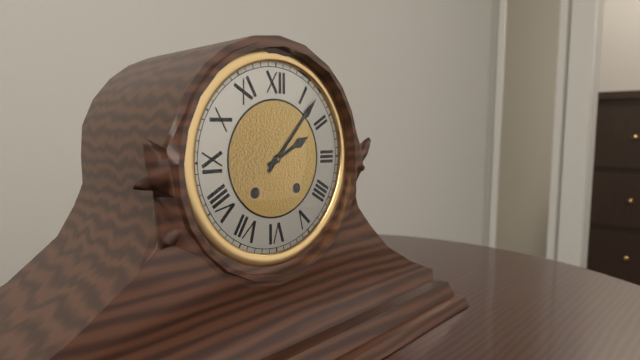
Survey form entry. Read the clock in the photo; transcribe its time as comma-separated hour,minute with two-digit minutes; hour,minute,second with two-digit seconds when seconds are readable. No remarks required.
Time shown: 2,07
